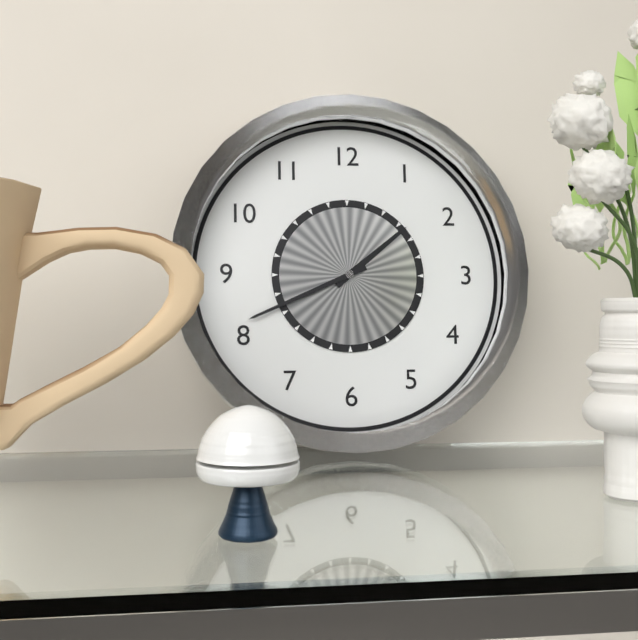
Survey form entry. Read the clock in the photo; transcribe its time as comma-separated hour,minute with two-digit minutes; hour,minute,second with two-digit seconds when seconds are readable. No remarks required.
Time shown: 1,41
